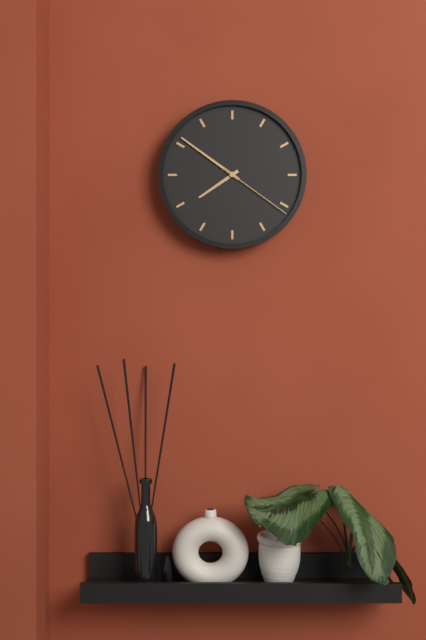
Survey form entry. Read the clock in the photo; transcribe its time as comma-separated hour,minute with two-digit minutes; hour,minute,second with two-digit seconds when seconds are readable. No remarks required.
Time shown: 7,51,21
